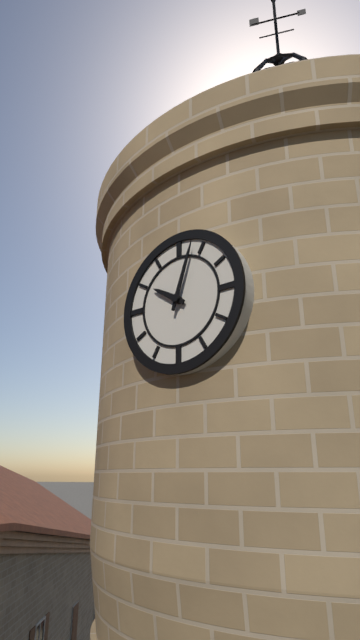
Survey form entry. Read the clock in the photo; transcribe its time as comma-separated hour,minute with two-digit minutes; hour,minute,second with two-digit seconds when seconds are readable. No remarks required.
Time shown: 10,03
